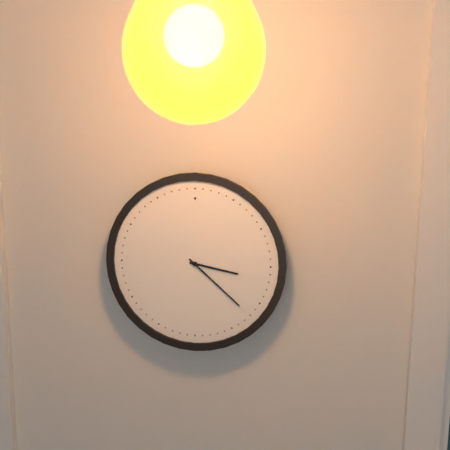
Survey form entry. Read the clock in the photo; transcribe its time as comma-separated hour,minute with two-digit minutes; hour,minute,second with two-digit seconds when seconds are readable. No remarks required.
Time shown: 3,22
